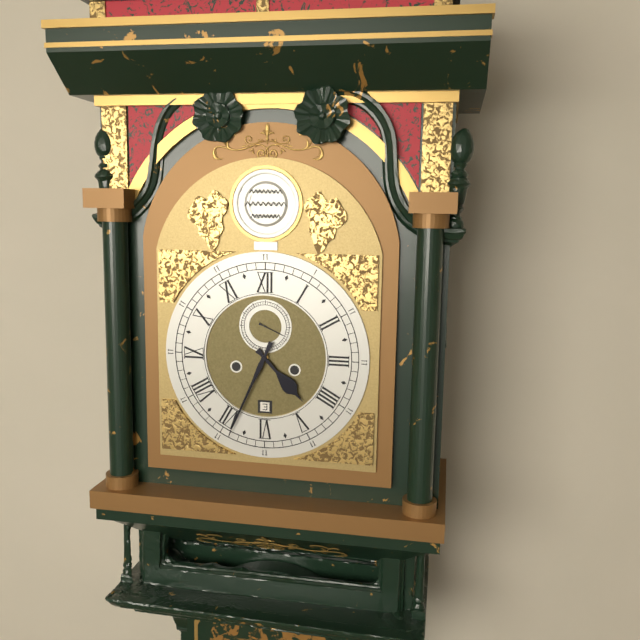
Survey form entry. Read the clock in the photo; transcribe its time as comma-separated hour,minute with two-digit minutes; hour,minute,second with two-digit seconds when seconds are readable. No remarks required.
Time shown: 4,34
